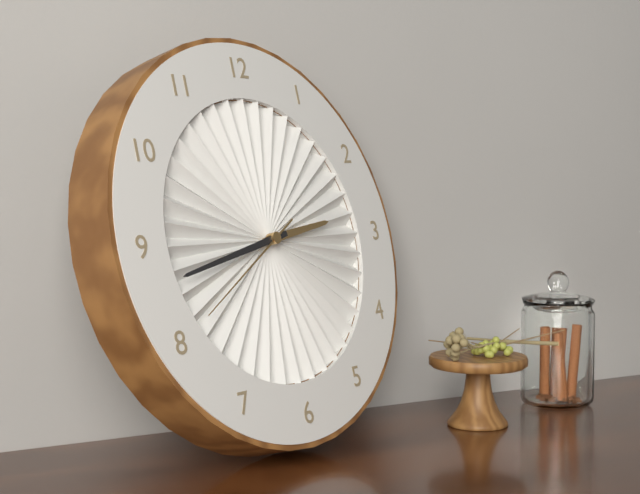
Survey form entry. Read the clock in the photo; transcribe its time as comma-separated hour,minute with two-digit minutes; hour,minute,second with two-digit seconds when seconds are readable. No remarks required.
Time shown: 2,43,40
